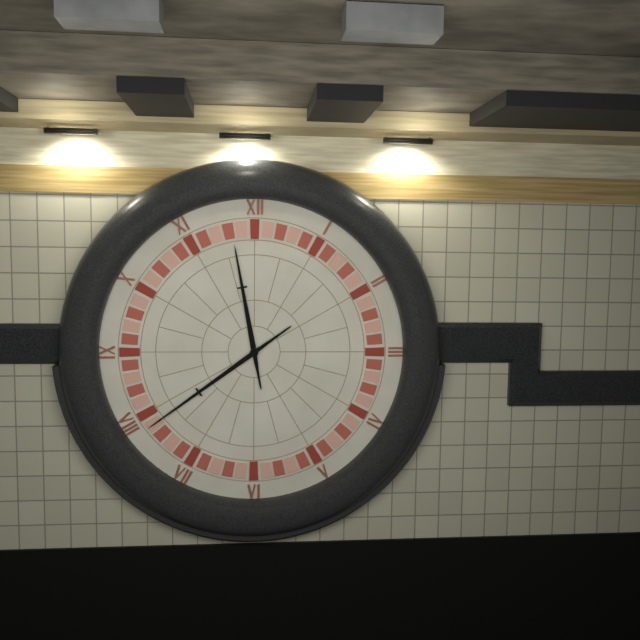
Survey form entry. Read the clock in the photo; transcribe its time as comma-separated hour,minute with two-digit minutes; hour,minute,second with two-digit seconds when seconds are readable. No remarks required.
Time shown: 11,39
